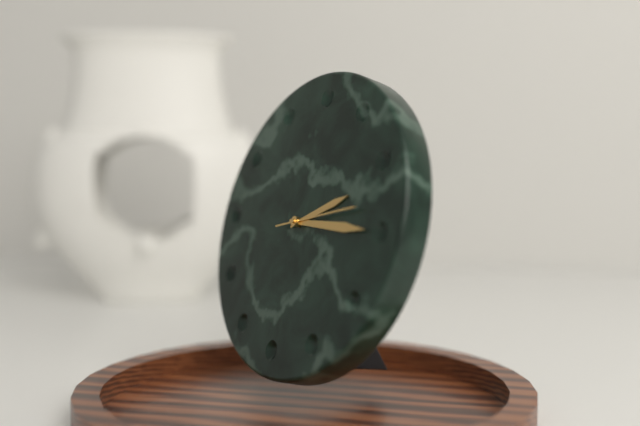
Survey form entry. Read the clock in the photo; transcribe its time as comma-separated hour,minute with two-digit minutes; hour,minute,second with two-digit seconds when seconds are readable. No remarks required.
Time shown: 2,15,13
